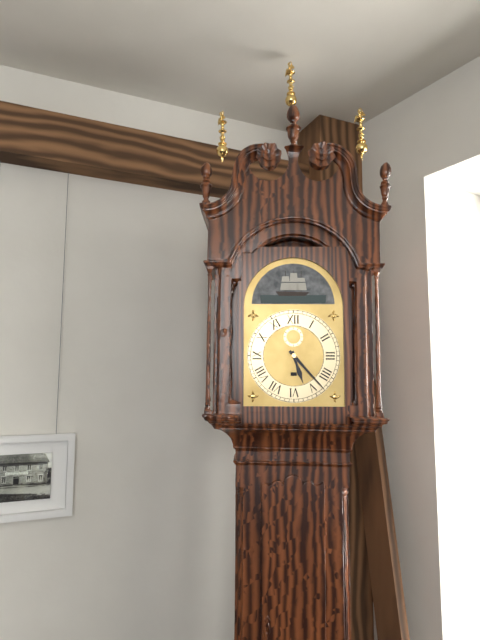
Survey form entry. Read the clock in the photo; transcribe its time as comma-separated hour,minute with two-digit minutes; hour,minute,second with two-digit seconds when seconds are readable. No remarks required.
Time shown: 5,23
